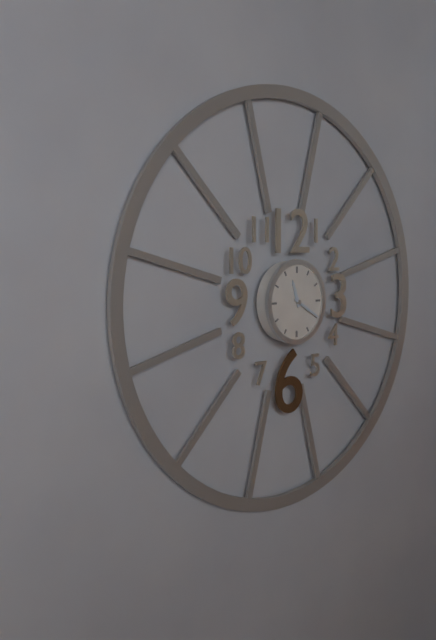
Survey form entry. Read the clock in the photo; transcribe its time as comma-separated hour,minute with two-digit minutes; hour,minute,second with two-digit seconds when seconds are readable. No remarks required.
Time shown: 11,20
